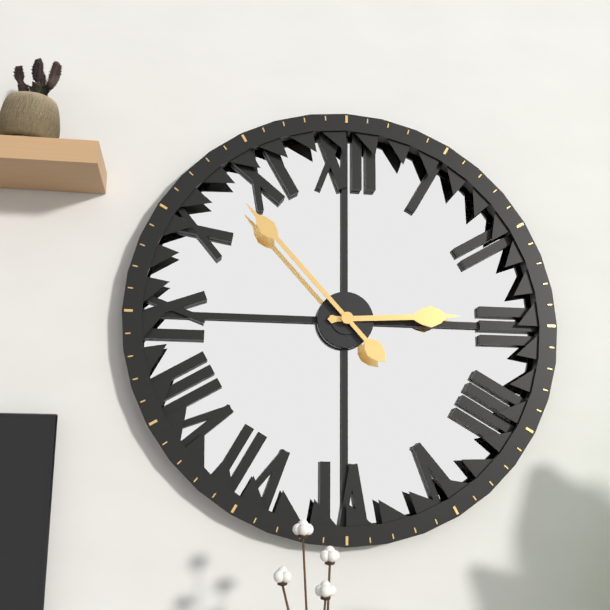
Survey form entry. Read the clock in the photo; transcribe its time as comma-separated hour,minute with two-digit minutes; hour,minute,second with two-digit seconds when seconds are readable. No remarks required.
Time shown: 2,53
